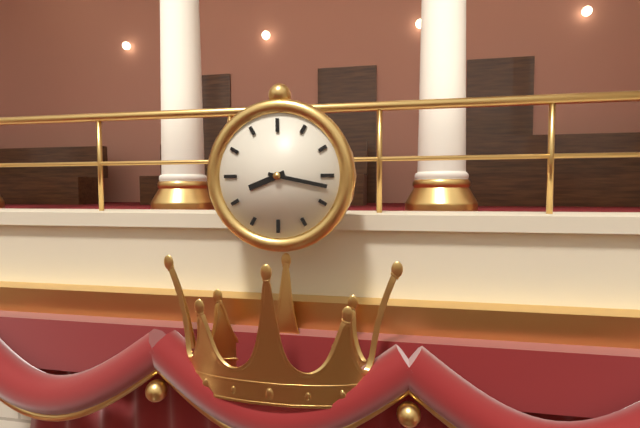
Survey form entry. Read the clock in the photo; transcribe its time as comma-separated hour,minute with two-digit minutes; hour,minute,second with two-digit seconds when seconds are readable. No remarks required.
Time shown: 8,17
